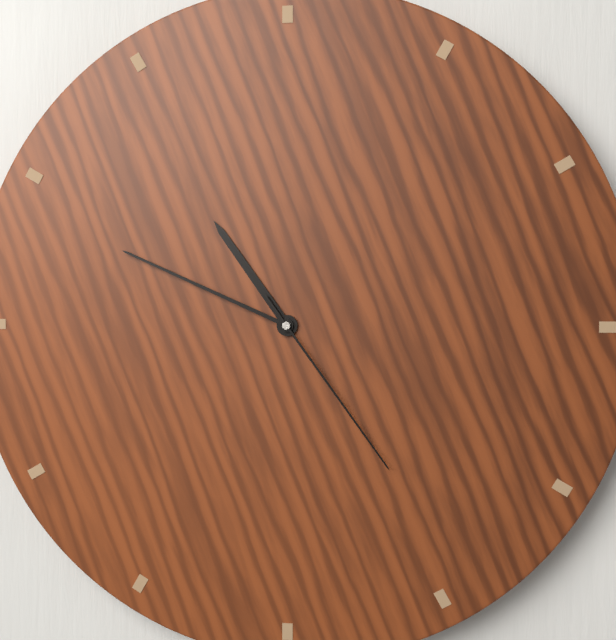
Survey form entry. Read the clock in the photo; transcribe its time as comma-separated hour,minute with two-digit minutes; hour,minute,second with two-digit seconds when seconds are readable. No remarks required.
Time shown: 10,49,24
